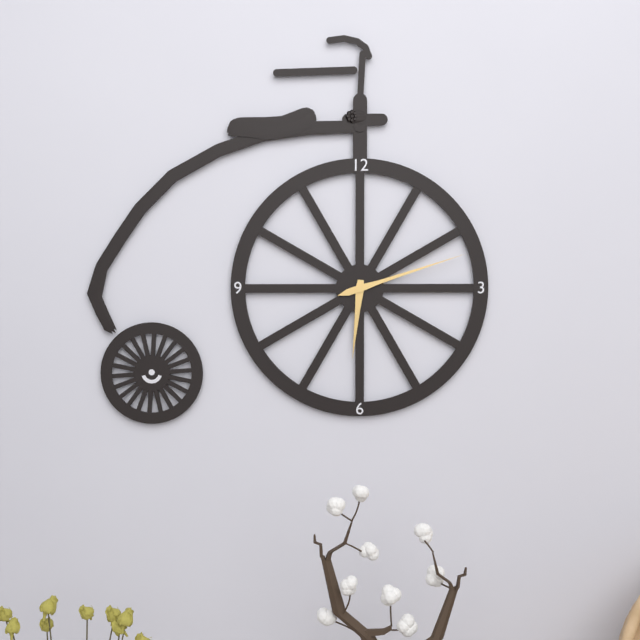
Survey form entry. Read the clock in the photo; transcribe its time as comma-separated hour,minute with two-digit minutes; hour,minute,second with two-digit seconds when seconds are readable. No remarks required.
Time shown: 6,12
